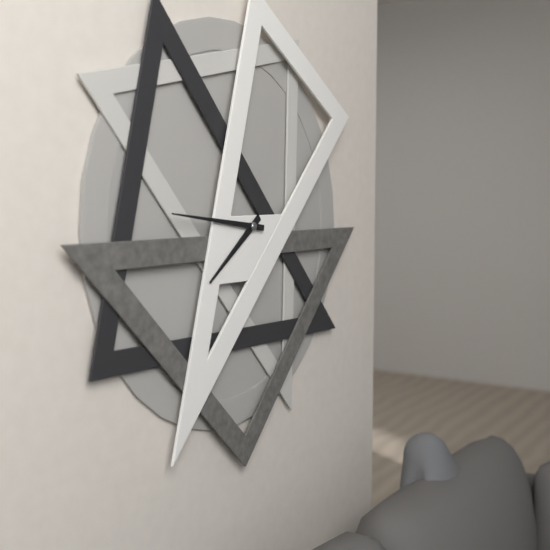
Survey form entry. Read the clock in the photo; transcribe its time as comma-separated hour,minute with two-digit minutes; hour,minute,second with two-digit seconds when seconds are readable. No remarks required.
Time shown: 7,46
